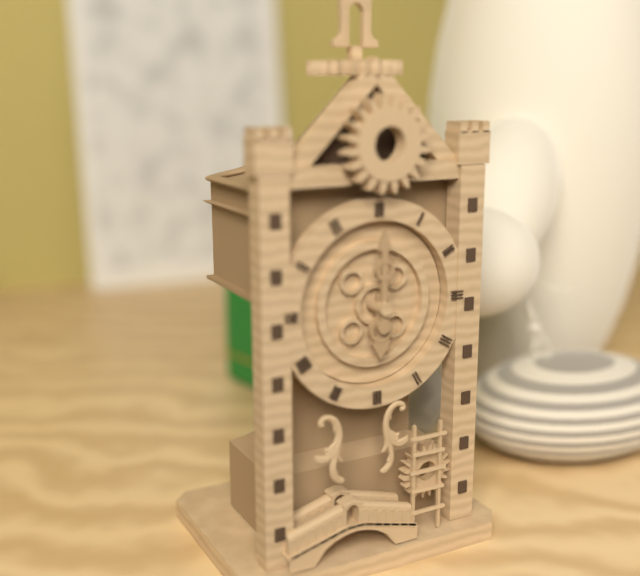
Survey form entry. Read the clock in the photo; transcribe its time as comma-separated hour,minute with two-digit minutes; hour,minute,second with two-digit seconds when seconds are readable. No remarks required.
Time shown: 6,00
